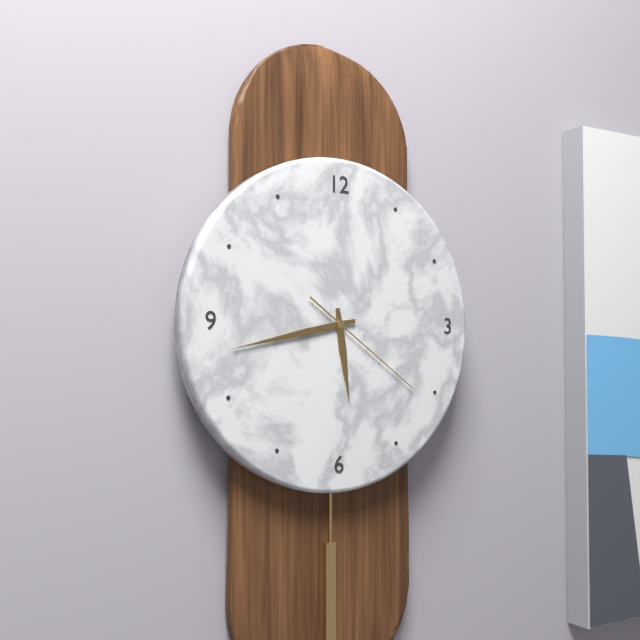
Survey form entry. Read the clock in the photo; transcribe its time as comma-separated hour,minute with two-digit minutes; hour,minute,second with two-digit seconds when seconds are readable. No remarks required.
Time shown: 5,43,21
